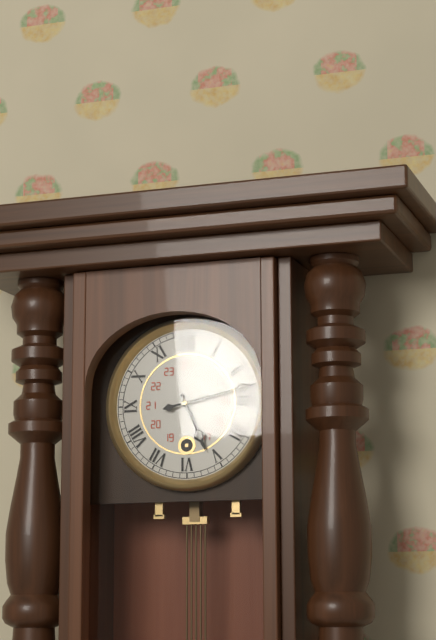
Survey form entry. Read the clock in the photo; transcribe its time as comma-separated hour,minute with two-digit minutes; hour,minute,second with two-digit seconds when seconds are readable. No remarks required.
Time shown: 5,13
